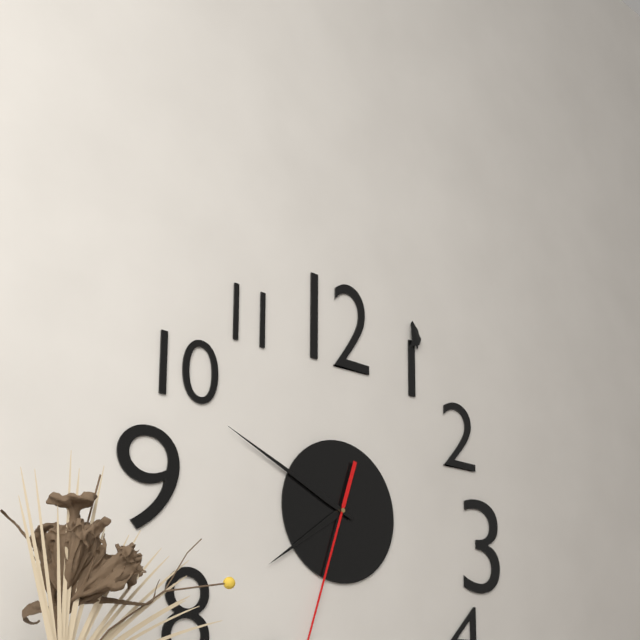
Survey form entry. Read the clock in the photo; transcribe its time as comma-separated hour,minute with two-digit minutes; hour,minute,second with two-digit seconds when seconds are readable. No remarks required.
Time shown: 7,49
